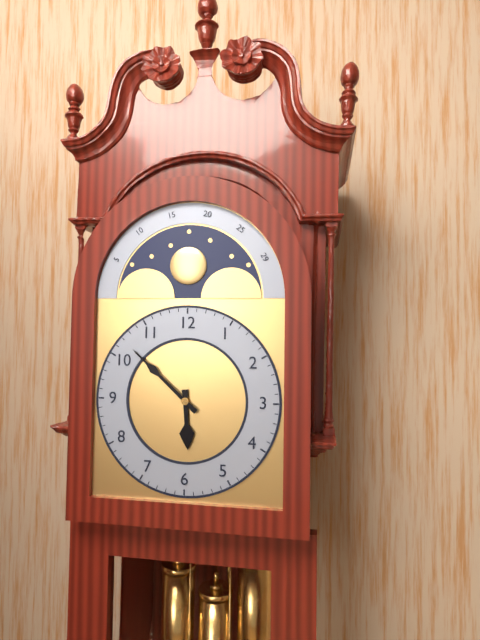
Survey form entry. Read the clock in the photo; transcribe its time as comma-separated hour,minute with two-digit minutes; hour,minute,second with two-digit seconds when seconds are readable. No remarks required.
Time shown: 5,52
